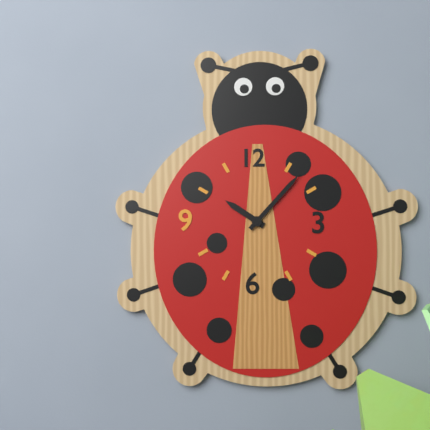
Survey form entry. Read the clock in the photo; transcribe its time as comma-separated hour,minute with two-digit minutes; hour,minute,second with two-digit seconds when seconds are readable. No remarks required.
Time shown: 10,07
